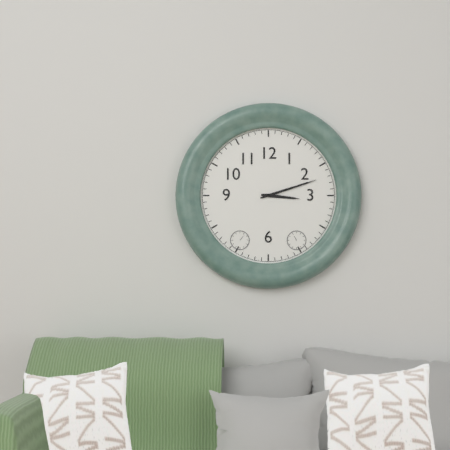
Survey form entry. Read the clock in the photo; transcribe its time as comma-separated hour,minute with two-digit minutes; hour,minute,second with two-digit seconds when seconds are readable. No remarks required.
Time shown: 3,12
